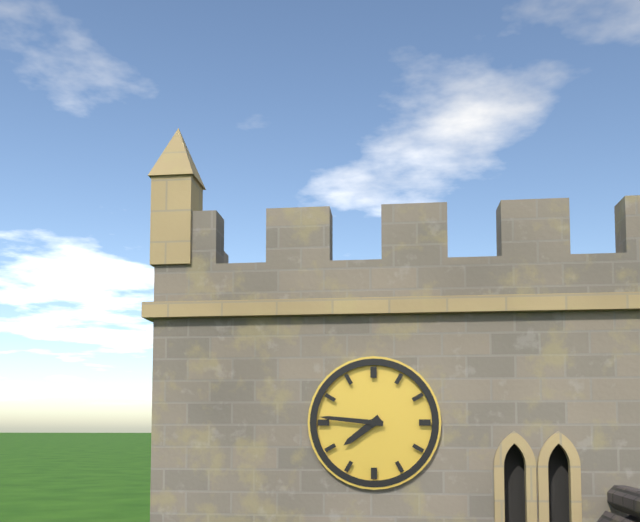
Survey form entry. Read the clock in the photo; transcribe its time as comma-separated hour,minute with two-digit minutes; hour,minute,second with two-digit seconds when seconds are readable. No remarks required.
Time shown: 7,46
